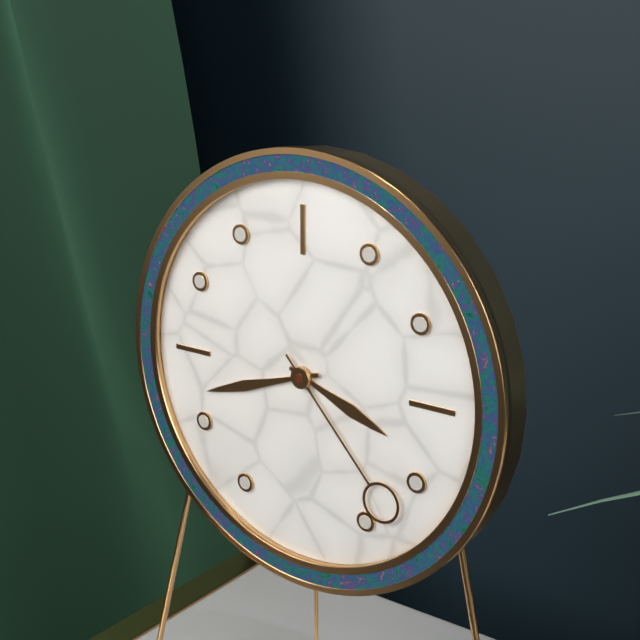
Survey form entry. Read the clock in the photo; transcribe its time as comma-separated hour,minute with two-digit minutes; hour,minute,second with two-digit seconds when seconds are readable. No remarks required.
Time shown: 3,42,23
